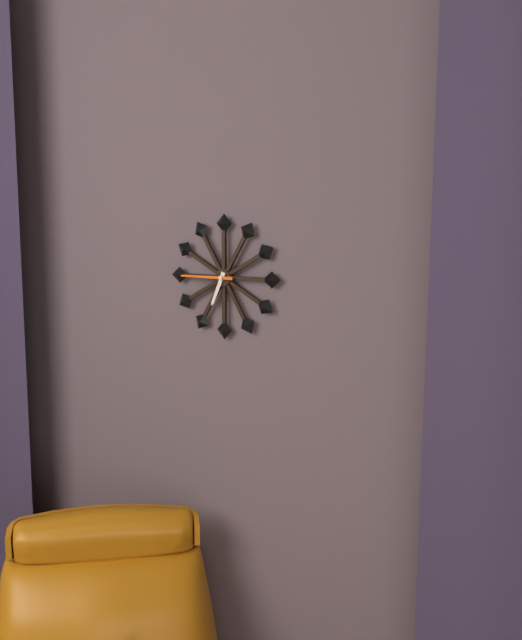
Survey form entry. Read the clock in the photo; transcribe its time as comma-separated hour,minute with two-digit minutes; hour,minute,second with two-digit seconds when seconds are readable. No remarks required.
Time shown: 6,45
